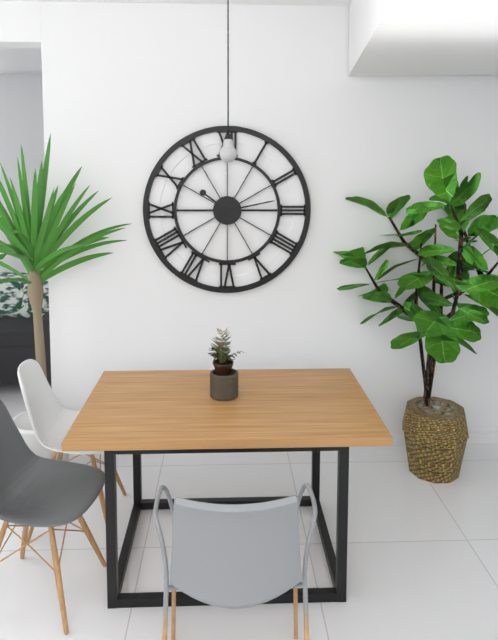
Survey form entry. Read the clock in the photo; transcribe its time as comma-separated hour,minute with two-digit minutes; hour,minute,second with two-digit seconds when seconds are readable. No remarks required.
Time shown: 10,13
